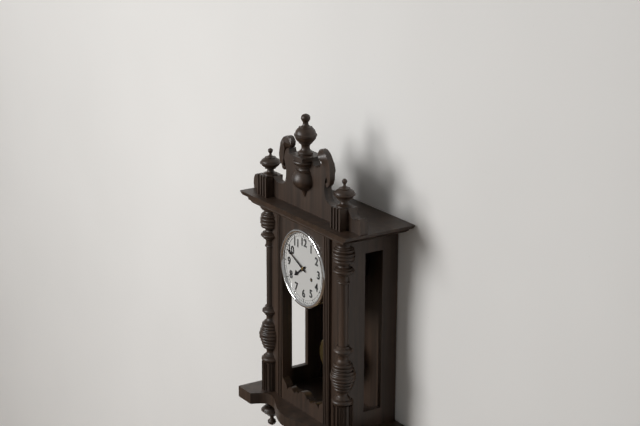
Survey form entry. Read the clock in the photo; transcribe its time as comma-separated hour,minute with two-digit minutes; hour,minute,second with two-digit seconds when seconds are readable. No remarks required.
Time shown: 7,49
